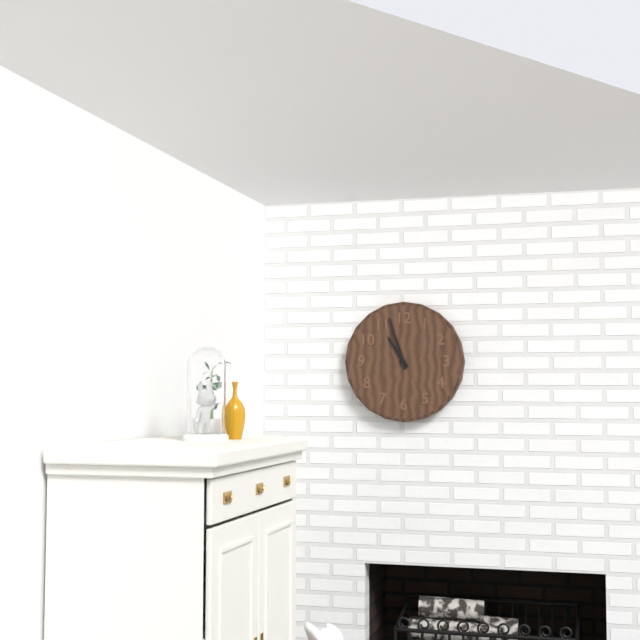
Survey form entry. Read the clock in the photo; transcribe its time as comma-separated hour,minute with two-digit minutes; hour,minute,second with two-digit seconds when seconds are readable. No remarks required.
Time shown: 10,57
